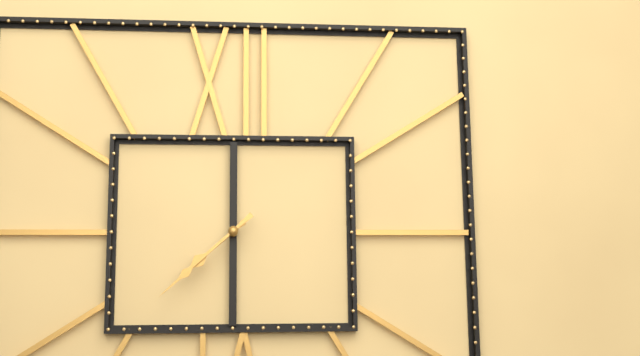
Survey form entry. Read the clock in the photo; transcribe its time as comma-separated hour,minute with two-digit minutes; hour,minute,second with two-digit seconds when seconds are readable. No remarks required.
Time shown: 7,38
